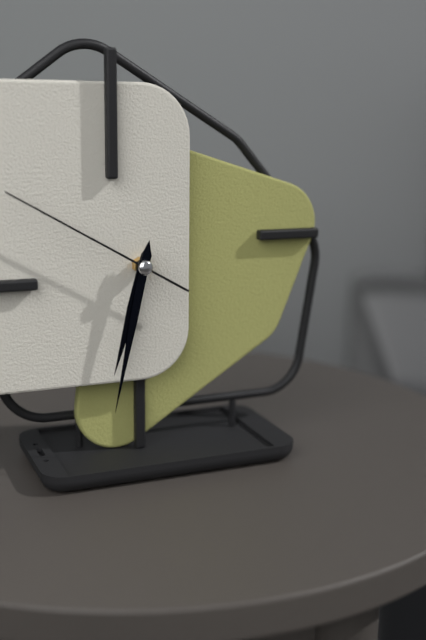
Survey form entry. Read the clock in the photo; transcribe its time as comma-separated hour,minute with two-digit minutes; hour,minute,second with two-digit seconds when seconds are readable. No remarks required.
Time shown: 6,32,50
